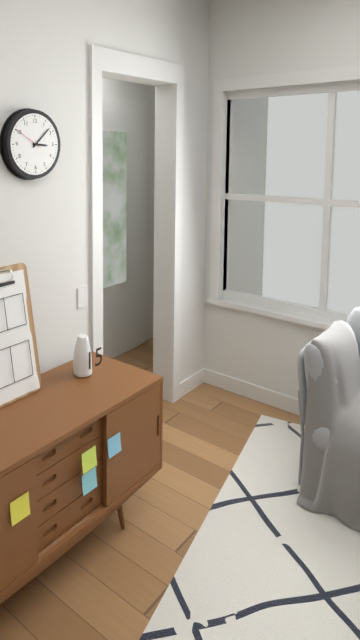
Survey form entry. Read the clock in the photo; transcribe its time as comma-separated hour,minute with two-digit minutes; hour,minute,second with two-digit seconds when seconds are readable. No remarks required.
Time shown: 3,08
